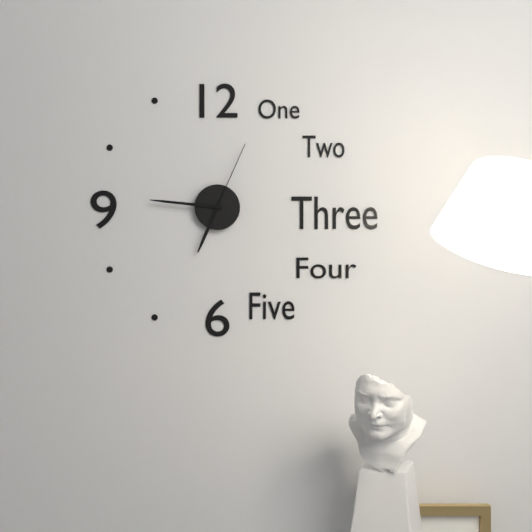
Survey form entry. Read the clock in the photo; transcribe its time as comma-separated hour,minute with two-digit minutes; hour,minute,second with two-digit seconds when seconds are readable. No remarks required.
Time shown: 6,46,04
